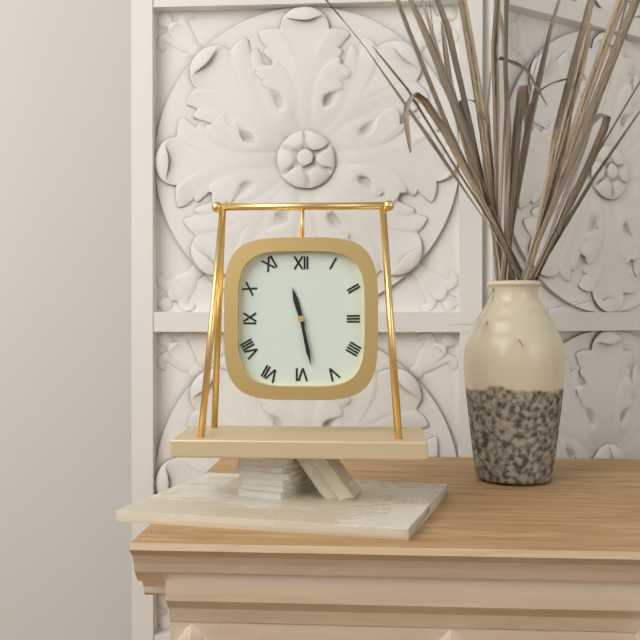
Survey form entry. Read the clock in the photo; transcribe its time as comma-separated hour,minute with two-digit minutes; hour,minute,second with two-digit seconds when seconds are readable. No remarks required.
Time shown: 11,28
